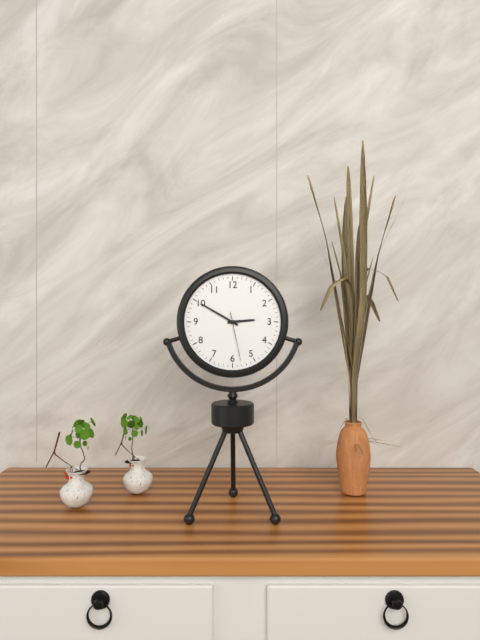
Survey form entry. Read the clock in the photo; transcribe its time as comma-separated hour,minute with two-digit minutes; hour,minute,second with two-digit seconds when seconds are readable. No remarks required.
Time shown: 2,50,28
